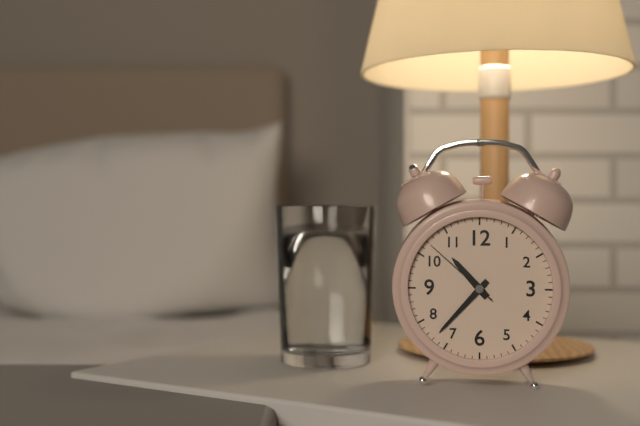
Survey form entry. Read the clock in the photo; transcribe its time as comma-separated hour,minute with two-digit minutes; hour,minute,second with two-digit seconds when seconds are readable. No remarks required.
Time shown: 10,37,52
